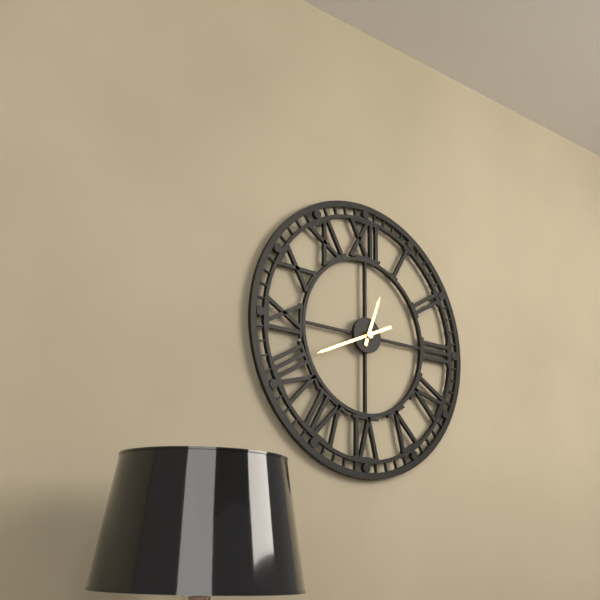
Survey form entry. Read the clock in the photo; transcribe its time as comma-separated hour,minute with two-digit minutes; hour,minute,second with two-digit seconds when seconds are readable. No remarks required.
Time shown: 12,41
